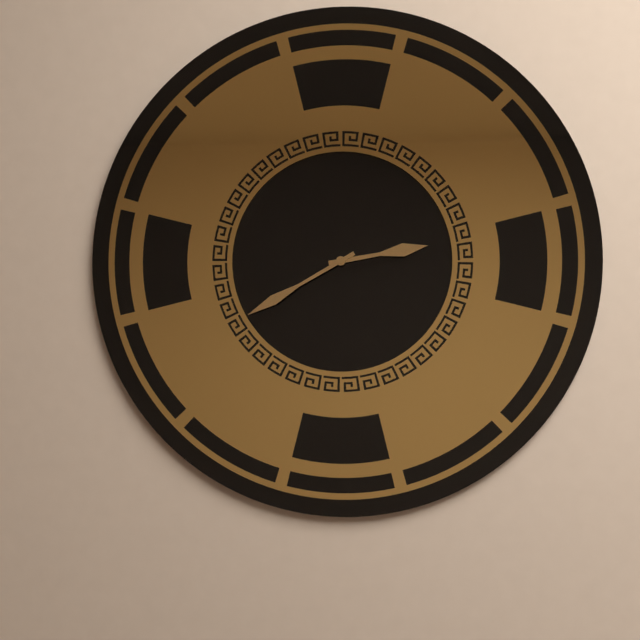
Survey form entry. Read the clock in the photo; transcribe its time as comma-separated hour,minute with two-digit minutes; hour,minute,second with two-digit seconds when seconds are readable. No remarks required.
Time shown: 2,40
